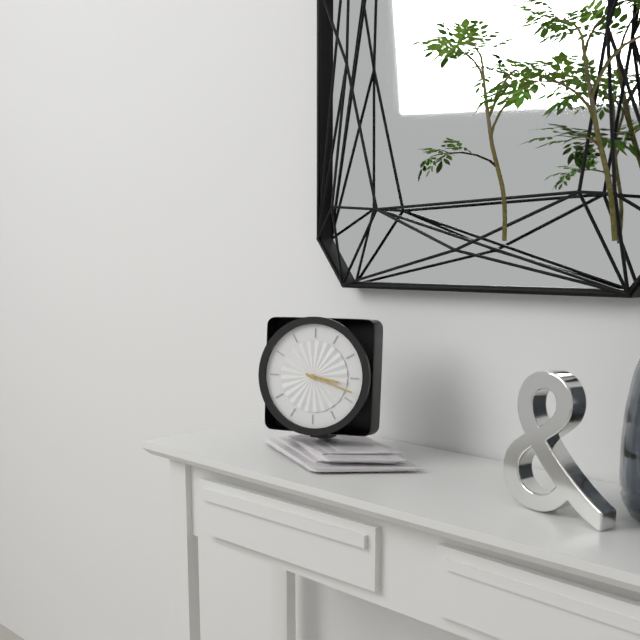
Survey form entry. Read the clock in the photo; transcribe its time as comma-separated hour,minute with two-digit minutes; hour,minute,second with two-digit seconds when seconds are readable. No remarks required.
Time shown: 3,18
